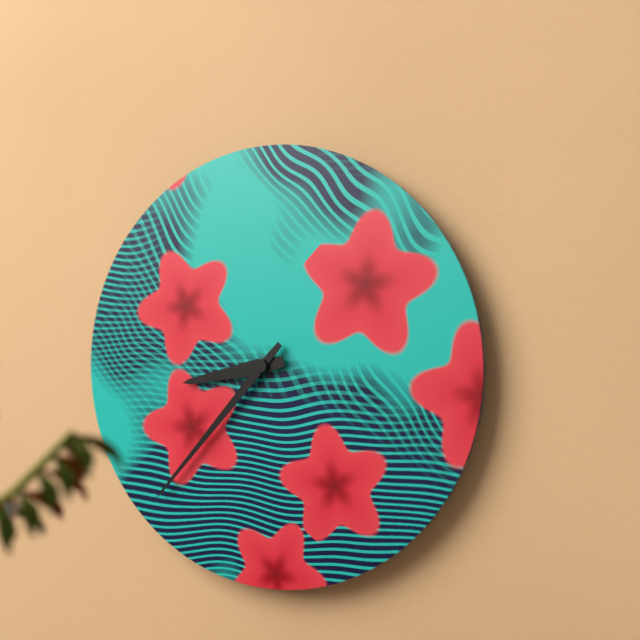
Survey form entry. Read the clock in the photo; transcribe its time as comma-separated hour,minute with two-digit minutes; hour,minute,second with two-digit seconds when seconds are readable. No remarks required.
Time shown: 8,37
